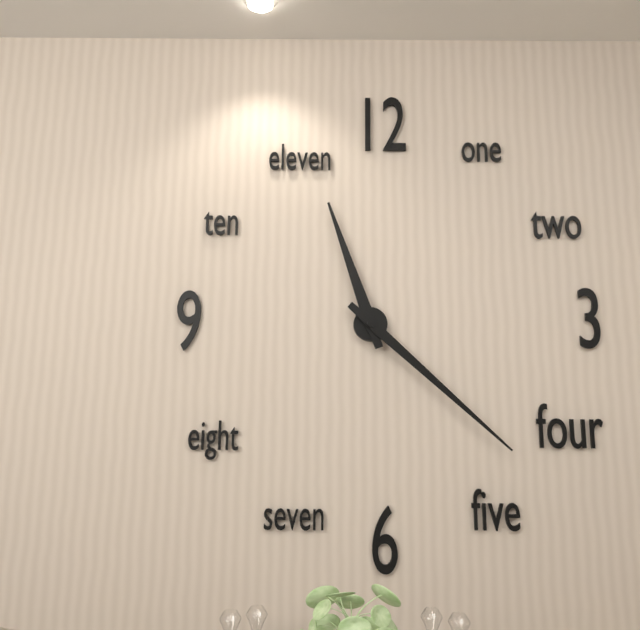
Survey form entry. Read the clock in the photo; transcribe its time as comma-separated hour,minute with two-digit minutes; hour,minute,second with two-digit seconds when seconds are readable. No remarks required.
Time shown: 11,22
